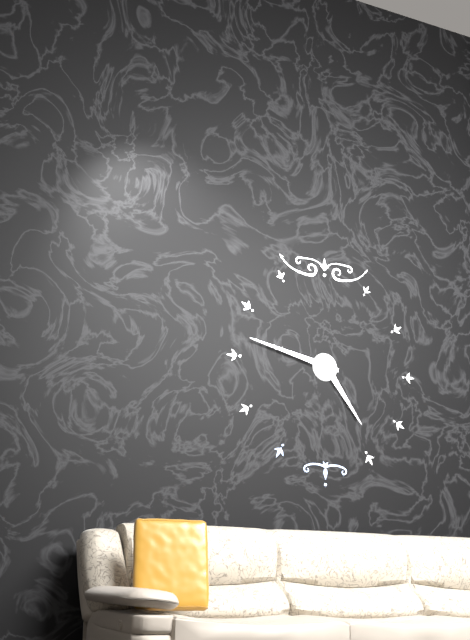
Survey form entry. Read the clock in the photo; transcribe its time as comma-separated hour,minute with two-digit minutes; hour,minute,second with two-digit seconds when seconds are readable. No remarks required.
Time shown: 4,47
